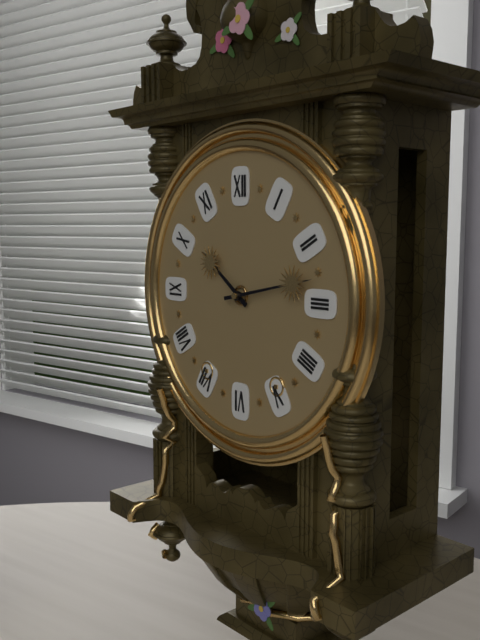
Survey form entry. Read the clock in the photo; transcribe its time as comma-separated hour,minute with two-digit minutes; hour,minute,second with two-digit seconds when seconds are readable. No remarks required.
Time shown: 10,13
